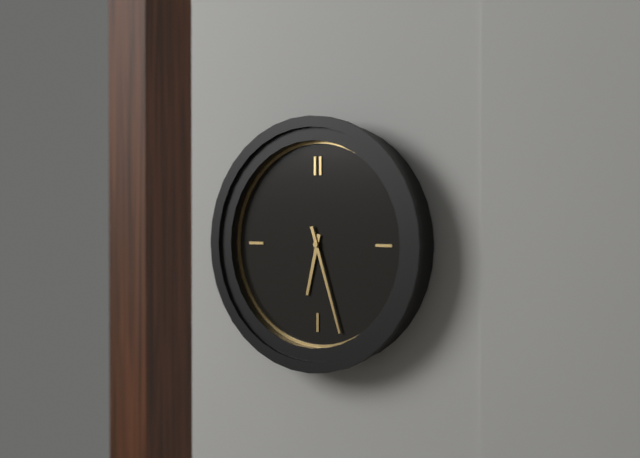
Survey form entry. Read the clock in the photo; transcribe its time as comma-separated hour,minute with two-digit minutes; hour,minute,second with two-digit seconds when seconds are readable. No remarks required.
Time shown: 6,27
